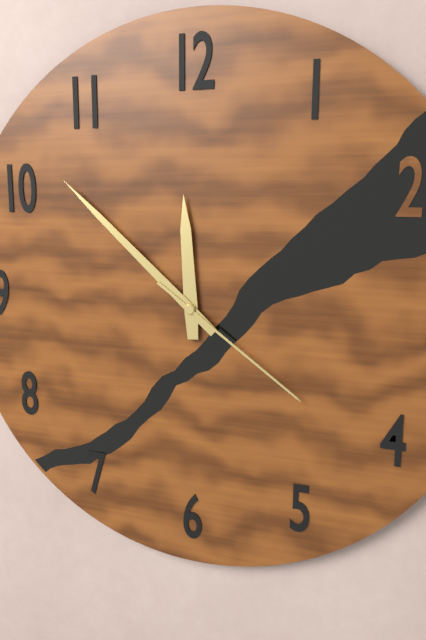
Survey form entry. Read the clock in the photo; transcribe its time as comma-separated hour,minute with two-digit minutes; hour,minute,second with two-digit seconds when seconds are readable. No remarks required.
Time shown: 11,52,21
